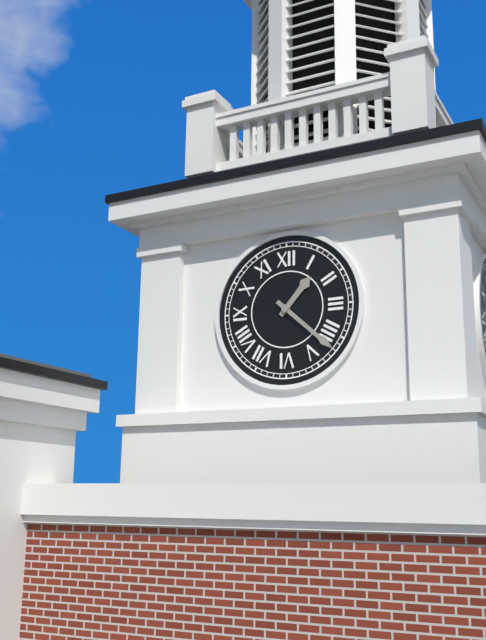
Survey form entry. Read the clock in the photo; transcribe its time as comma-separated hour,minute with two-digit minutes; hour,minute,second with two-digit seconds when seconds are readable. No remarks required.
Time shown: 1,22
